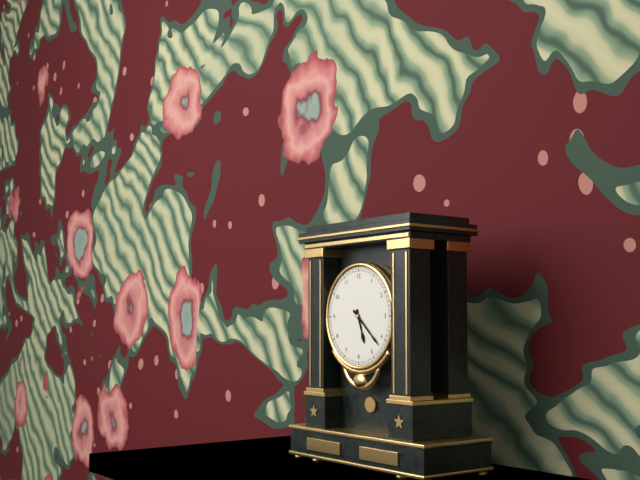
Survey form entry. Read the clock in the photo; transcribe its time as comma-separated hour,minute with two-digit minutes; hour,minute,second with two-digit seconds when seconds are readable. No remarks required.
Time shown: 5,22
